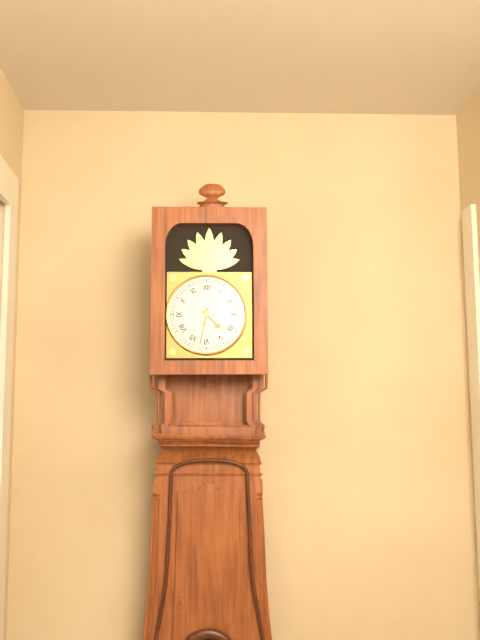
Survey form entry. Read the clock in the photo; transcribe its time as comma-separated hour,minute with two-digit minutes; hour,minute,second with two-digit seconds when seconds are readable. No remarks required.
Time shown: 4,32
